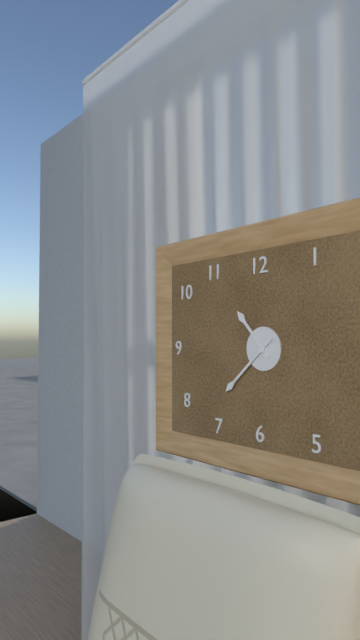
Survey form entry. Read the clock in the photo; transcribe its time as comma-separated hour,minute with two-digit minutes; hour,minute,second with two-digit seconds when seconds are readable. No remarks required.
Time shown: 10,38
